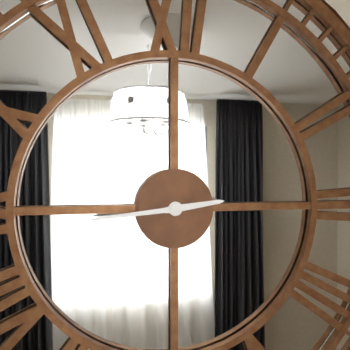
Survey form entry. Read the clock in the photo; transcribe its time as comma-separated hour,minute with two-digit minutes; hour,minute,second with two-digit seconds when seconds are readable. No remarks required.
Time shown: 2,44
